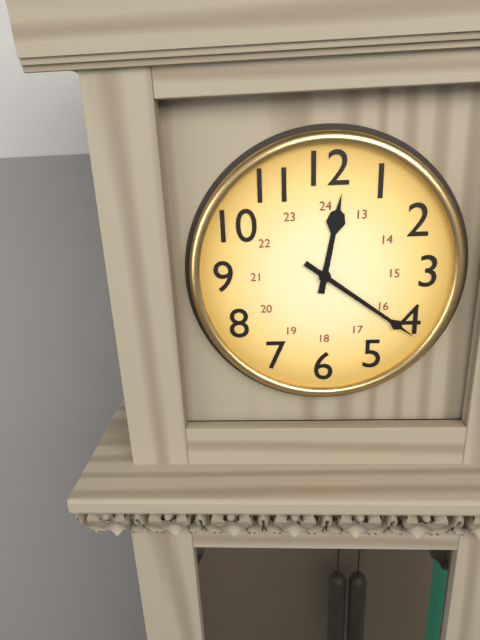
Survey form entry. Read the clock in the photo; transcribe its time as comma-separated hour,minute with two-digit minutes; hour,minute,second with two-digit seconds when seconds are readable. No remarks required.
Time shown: 12,21
